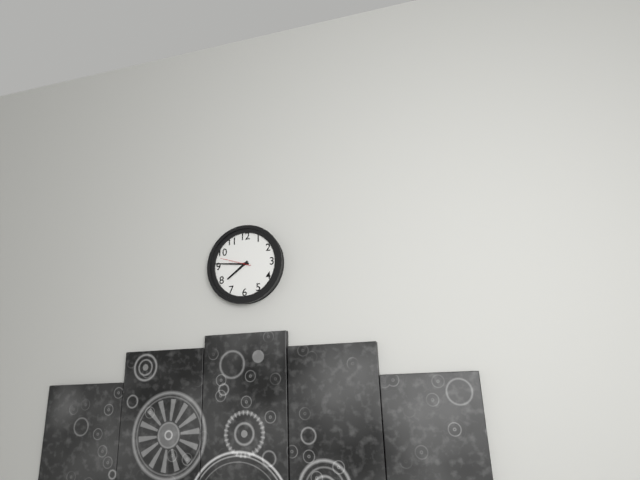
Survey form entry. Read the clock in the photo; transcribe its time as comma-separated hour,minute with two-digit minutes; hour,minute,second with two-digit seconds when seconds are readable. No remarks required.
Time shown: 7,46
